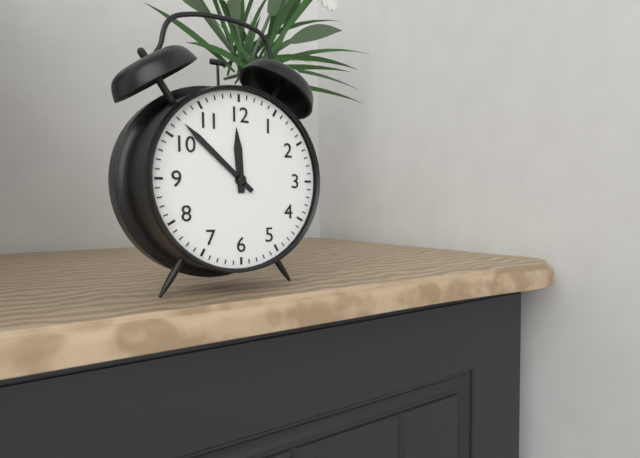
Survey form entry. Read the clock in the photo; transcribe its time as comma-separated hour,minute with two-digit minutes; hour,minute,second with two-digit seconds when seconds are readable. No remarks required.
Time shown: 11,52
